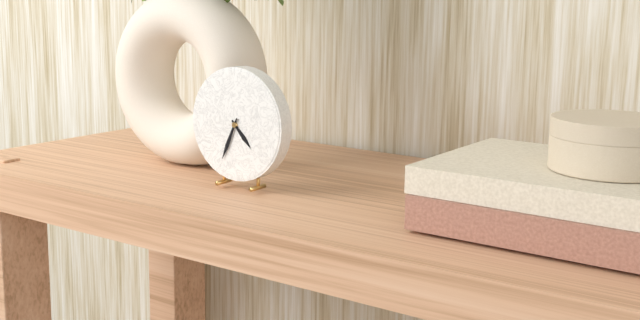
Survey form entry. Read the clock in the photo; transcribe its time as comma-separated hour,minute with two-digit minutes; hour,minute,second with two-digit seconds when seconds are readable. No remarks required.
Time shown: 4,34
